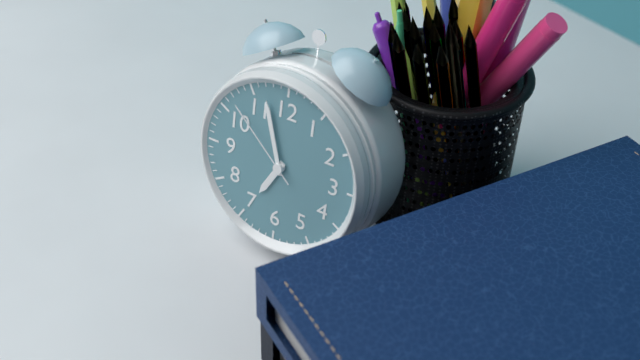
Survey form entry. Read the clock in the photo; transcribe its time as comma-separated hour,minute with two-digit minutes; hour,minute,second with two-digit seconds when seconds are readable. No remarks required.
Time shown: 6,57,52
